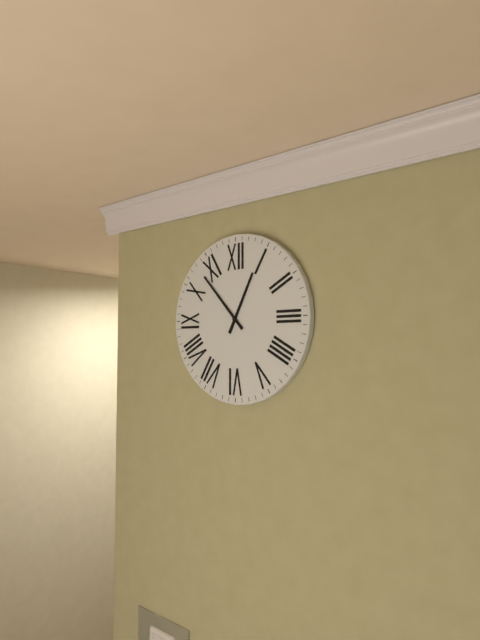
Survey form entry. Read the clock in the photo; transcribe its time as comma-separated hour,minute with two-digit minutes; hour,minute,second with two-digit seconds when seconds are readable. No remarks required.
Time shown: 12,53
